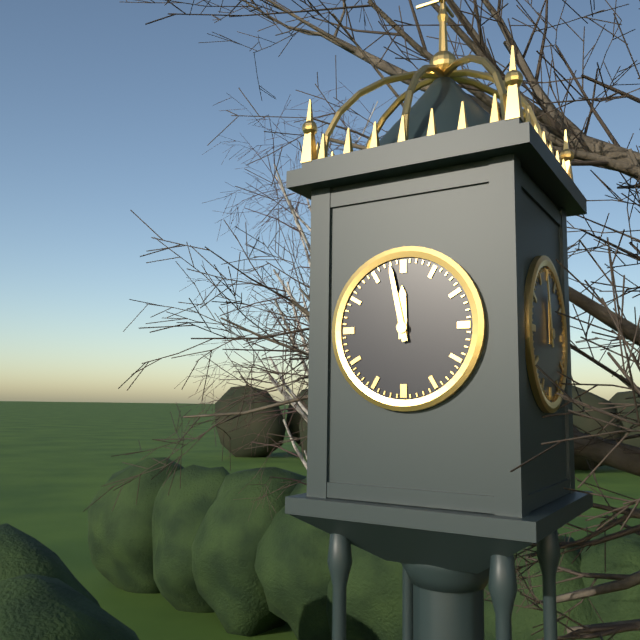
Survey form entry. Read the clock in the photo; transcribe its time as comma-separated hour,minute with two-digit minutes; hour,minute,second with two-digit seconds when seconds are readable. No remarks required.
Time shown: 11,58
